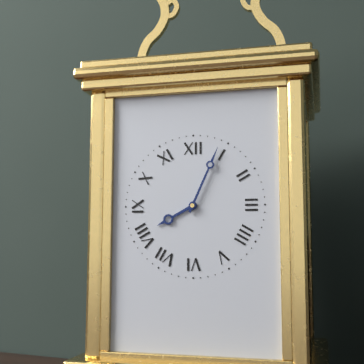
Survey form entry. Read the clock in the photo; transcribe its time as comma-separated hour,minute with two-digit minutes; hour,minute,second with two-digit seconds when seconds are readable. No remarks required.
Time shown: 8,04
